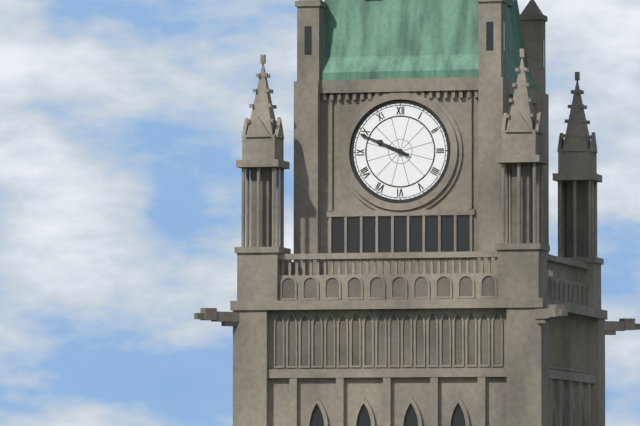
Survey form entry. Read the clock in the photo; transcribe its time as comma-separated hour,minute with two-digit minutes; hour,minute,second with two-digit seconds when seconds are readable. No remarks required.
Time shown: 9,49
